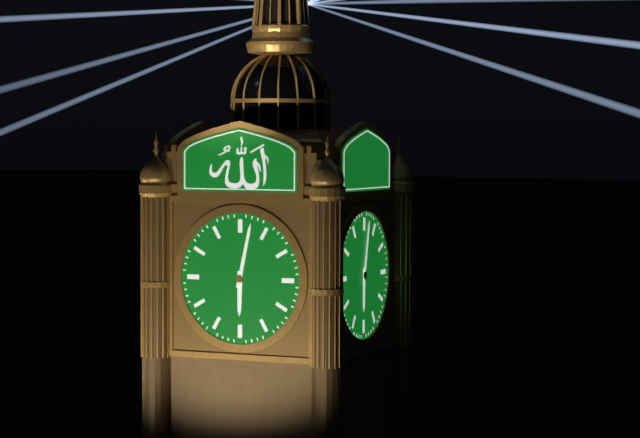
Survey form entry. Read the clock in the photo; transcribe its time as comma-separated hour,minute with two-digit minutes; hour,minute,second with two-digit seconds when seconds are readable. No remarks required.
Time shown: 6,02
